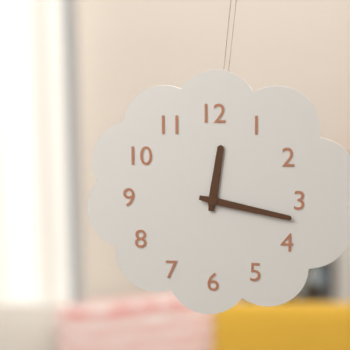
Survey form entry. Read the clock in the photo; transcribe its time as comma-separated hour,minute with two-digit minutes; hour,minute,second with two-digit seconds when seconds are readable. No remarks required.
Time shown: 12,17
